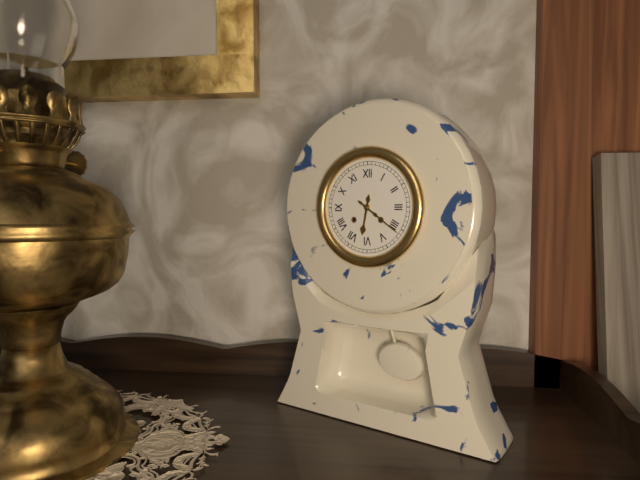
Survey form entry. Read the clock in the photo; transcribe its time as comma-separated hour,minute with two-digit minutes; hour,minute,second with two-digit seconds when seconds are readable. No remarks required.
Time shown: 6,21
